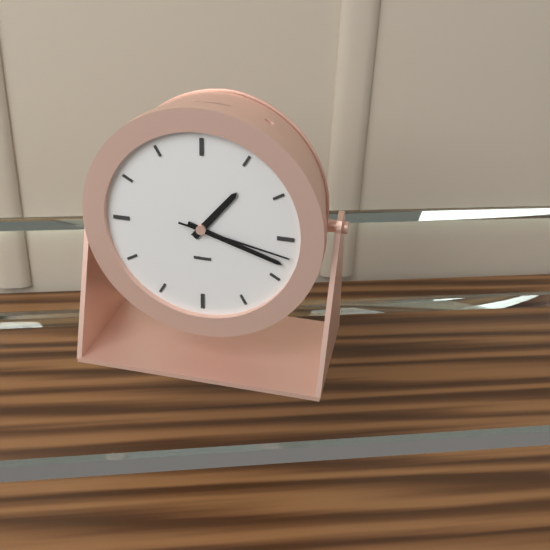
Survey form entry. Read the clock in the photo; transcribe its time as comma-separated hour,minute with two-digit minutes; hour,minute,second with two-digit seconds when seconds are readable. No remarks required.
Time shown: 1,18,17
